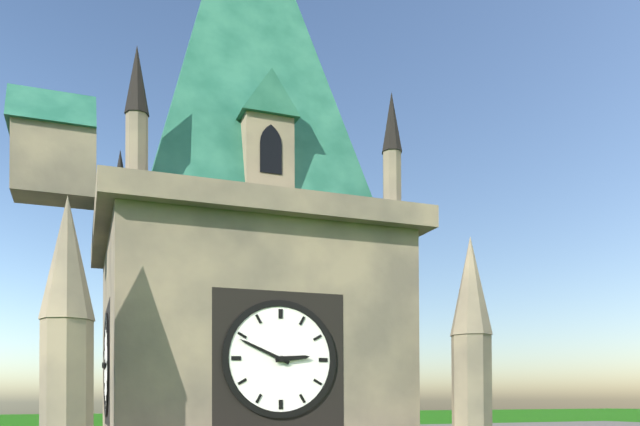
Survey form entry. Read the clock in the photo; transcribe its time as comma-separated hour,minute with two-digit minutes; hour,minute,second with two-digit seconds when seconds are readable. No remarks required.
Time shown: 2,49
